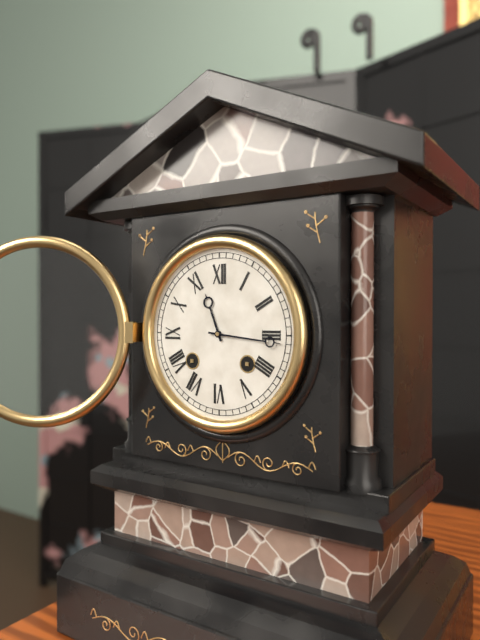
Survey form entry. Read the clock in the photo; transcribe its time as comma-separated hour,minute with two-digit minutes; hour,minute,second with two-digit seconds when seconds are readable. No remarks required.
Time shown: 11,16
